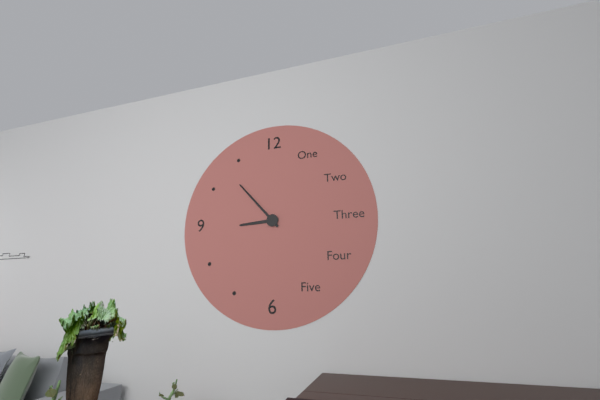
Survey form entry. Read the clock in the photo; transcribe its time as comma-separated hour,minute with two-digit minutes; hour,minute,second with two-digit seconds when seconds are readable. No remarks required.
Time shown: 8,53
